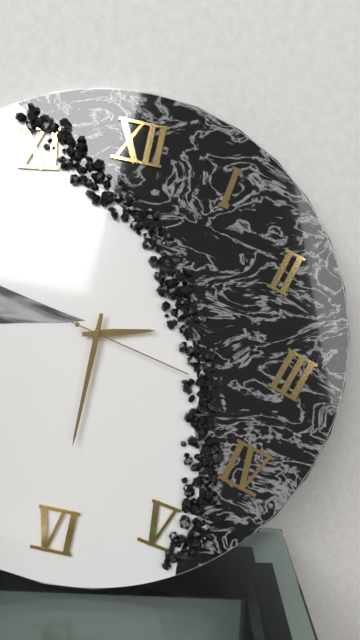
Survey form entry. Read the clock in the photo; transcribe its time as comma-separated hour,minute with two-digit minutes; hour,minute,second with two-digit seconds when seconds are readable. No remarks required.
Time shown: 2,30,17
